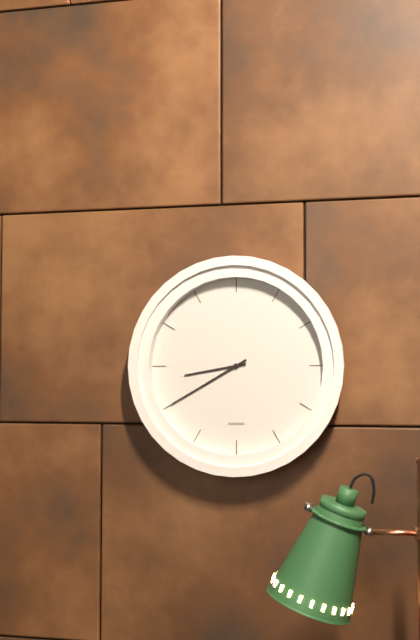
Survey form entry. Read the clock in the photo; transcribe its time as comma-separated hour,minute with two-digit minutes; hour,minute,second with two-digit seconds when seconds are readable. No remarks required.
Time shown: 8,40
